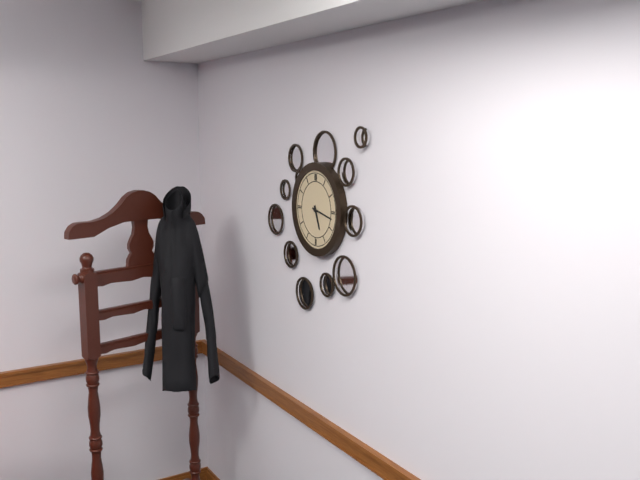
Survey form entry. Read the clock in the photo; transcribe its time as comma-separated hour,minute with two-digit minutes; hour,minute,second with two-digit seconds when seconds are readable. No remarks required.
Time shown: 5,17
